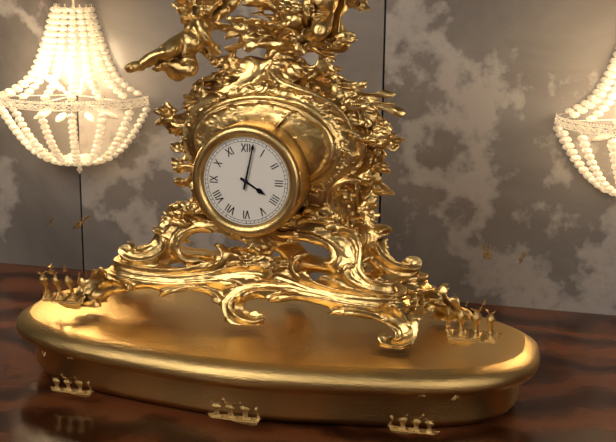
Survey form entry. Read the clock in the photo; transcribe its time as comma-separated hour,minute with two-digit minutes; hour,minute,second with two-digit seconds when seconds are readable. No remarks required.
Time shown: 4,02
